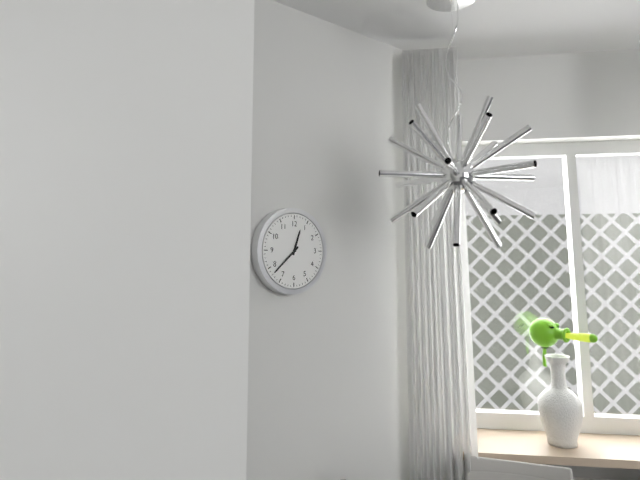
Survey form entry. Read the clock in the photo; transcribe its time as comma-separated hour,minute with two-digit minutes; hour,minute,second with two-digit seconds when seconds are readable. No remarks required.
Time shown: 12,38
